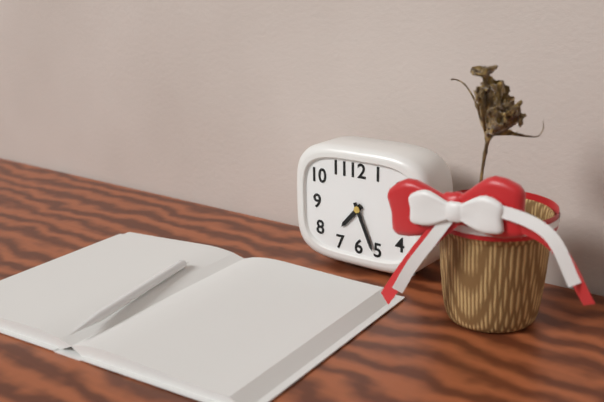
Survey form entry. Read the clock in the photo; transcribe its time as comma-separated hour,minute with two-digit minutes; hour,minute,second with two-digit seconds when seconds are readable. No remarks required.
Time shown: 7,26
